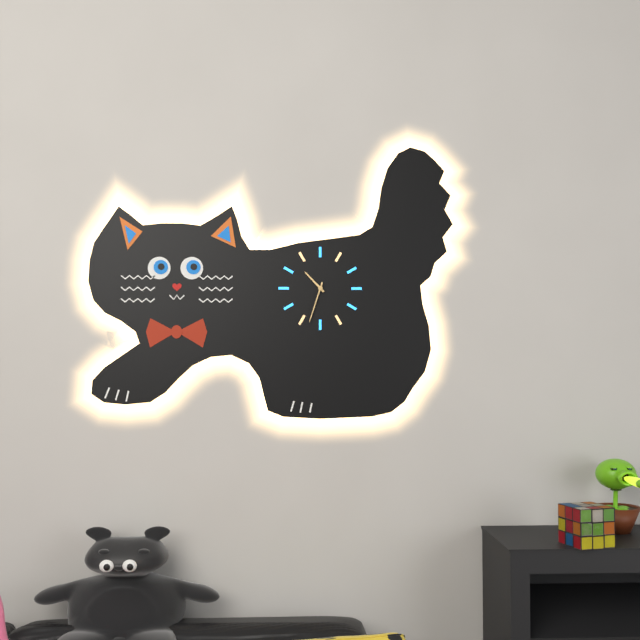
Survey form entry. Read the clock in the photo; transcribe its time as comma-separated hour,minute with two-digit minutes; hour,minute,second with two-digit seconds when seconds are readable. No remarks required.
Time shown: 10,33
